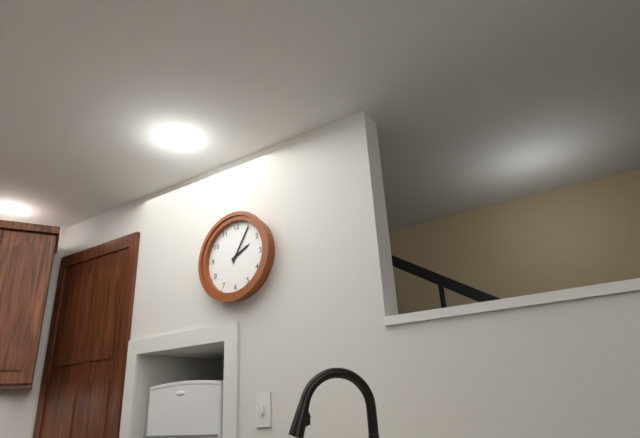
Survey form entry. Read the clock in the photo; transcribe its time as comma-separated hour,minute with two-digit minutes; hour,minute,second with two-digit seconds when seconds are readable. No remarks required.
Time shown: 2,05
